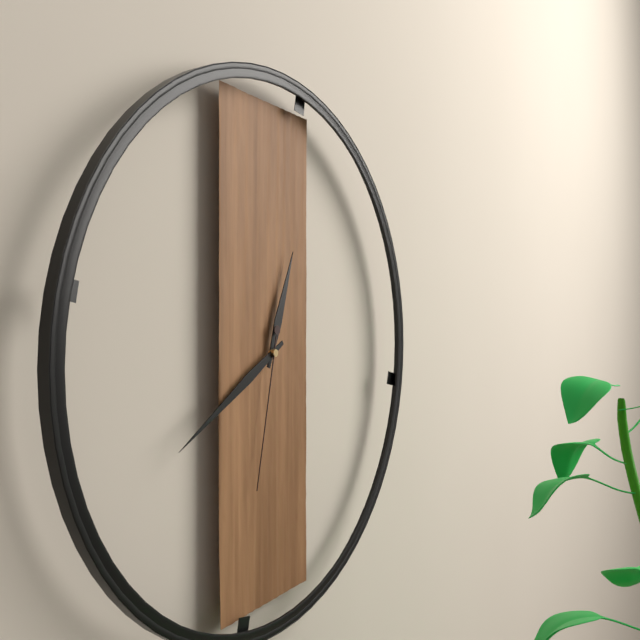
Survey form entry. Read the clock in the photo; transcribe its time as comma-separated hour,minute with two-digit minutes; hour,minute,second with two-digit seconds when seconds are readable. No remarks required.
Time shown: 12,40,32
